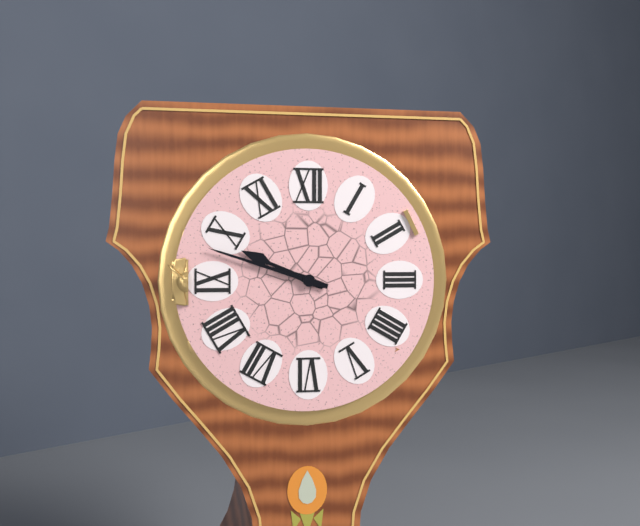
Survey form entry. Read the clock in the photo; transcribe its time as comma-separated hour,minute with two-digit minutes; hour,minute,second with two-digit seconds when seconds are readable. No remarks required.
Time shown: 9,48
